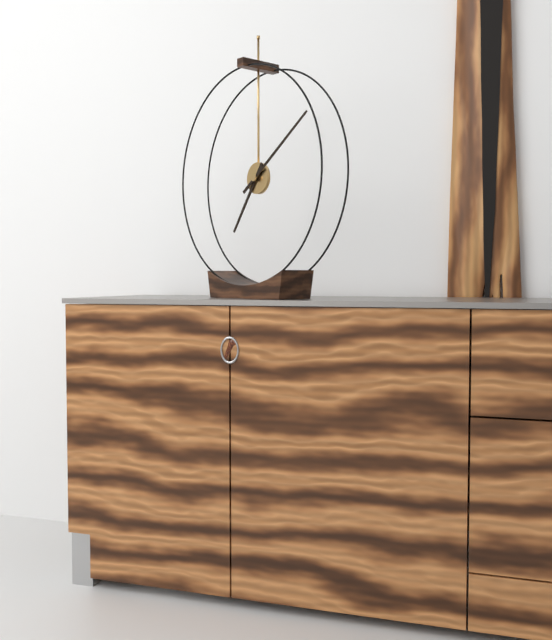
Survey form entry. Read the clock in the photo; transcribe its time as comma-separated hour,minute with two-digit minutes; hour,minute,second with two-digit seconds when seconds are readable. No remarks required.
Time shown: 7,09
